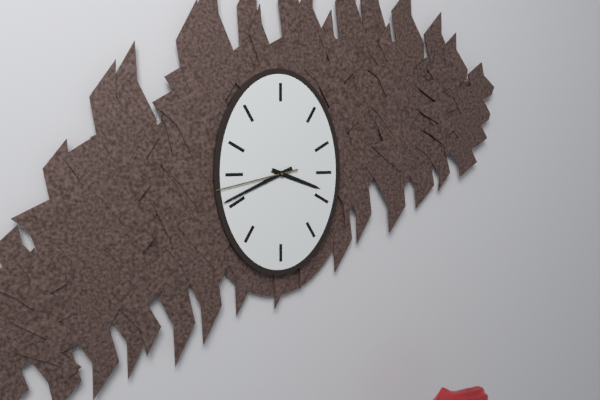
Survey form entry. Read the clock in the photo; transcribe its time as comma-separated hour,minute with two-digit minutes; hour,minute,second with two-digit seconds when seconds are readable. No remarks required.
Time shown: 3,41,43
